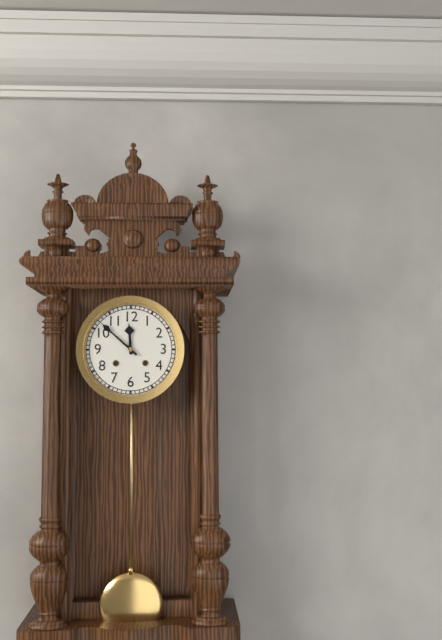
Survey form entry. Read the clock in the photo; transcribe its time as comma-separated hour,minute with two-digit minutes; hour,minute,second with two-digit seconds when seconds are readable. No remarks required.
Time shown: 11,52
